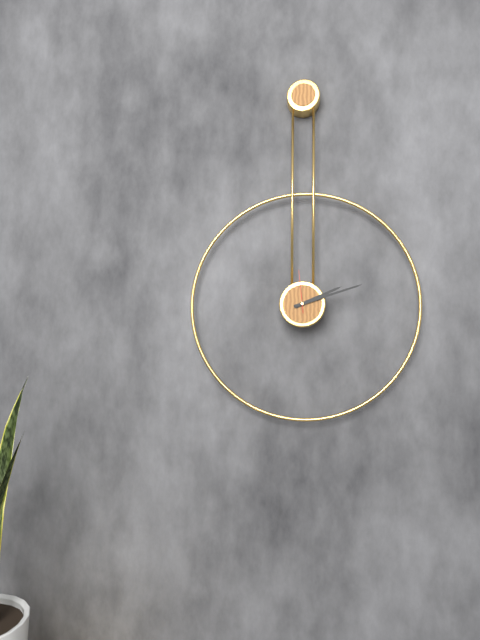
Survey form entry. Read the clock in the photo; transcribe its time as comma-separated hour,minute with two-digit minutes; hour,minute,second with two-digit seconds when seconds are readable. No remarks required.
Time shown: 2,12
